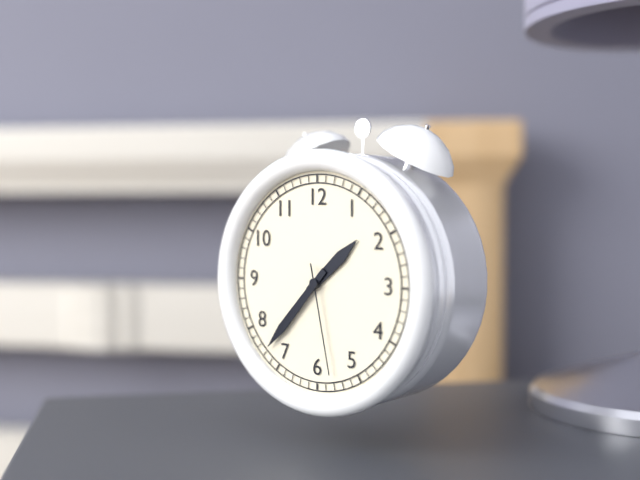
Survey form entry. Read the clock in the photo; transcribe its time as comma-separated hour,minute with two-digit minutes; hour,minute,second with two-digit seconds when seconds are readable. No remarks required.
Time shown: 1,37,28
